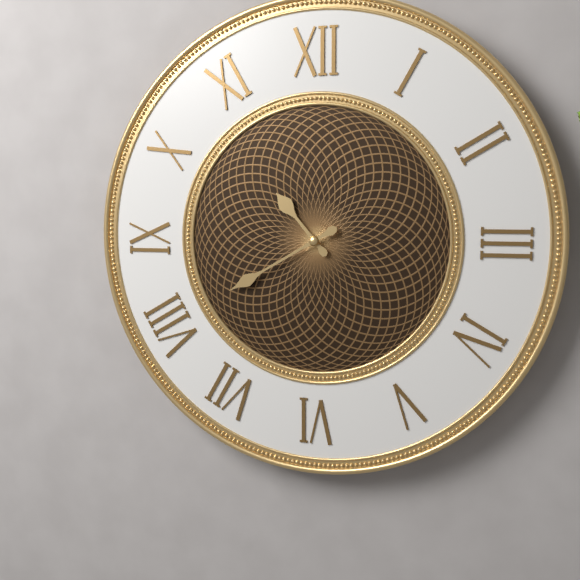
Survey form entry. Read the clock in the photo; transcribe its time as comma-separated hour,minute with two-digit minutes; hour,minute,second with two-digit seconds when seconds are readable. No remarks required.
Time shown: 10,40
